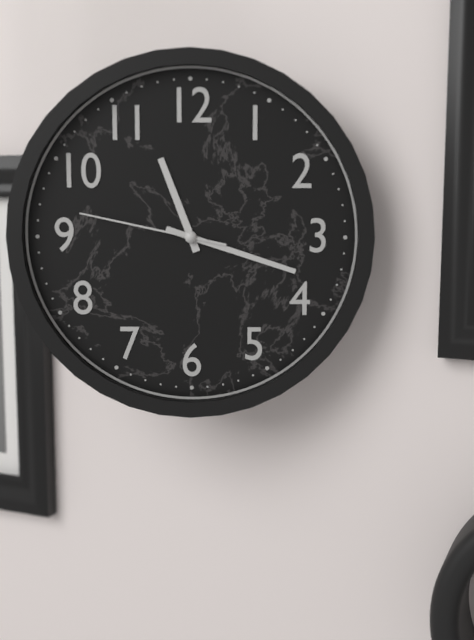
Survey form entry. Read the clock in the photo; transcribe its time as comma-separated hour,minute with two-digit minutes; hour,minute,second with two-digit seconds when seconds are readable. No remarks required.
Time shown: 11,18,47
